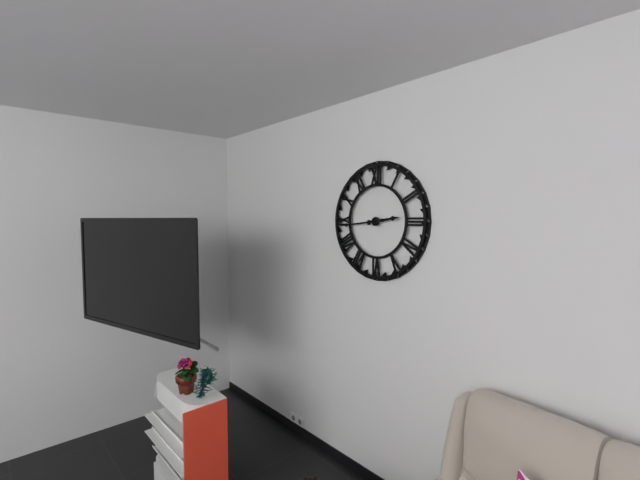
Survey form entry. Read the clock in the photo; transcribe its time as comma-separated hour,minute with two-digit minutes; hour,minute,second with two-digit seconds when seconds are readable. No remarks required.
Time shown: 2,44
